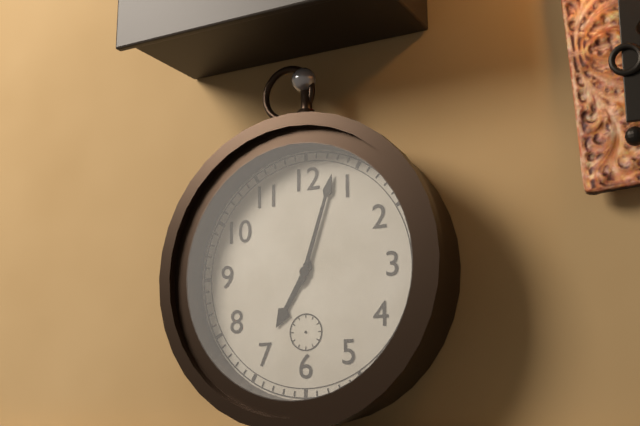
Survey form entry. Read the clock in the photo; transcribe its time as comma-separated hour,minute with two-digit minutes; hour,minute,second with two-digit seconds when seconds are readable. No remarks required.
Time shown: 7,03
